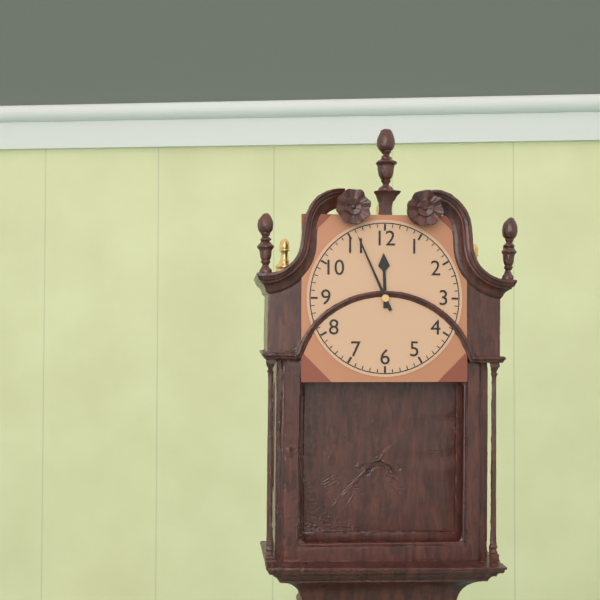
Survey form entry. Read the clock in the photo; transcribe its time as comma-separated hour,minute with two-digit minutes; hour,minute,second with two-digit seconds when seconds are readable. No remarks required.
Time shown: 11,56
